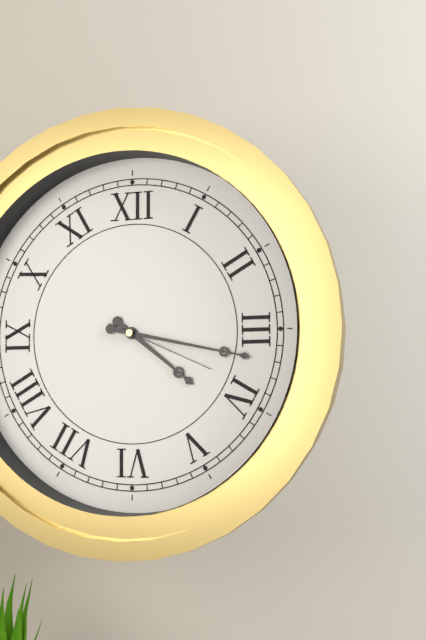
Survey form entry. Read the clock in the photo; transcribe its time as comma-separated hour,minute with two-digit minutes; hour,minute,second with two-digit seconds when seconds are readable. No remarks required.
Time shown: 4,17,19
